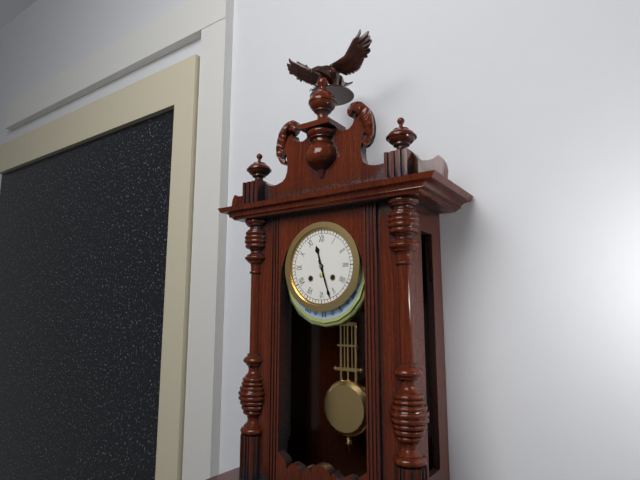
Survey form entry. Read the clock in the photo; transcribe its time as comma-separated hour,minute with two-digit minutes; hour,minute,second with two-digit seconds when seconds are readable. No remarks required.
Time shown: 11,27
